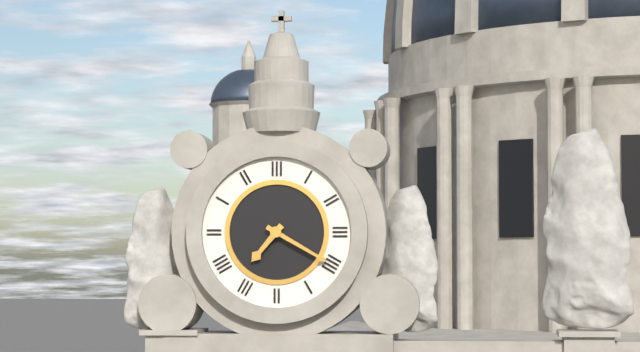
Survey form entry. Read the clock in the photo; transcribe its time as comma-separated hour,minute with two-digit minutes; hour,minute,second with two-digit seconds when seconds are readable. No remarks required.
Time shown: 7,20
